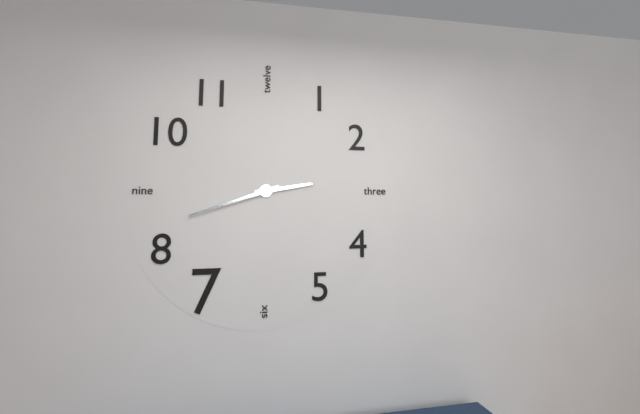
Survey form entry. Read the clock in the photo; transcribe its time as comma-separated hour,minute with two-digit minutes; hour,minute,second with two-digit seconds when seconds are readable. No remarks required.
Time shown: 2,42
